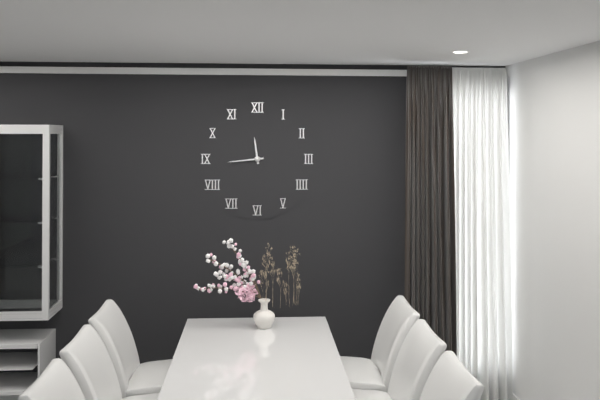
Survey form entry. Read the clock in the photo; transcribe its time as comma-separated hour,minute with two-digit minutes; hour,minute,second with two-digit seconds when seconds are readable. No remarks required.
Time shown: 11,44
